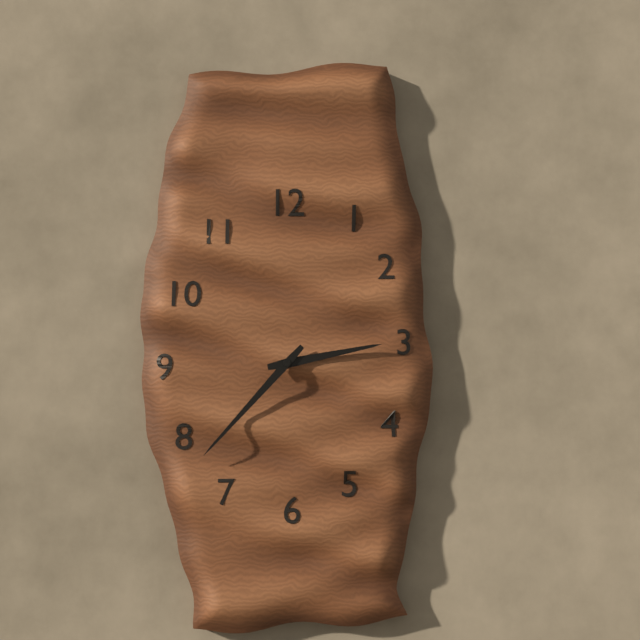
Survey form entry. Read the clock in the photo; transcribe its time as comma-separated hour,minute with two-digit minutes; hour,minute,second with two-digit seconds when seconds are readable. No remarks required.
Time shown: 2,37
